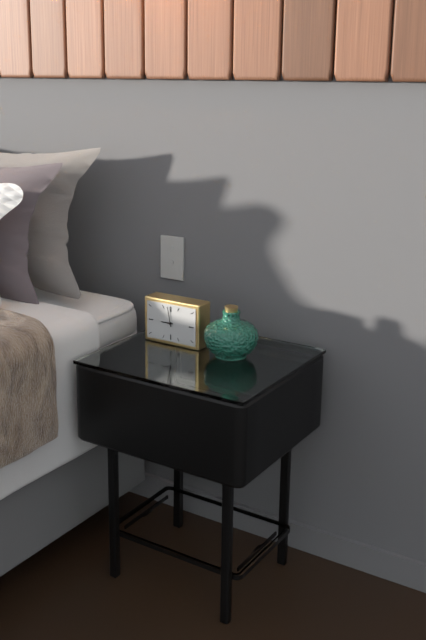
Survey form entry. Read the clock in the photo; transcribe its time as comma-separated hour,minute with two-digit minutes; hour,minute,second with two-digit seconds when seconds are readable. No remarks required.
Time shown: 8,58
